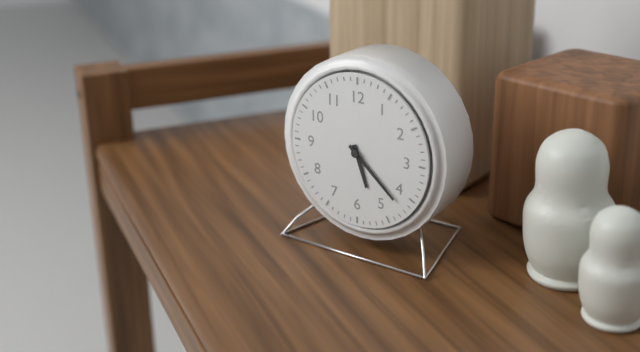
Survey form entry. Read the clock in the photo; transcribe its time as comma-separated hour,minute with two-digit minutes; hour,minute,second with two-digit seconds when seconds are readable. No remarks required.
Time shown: 5,22
